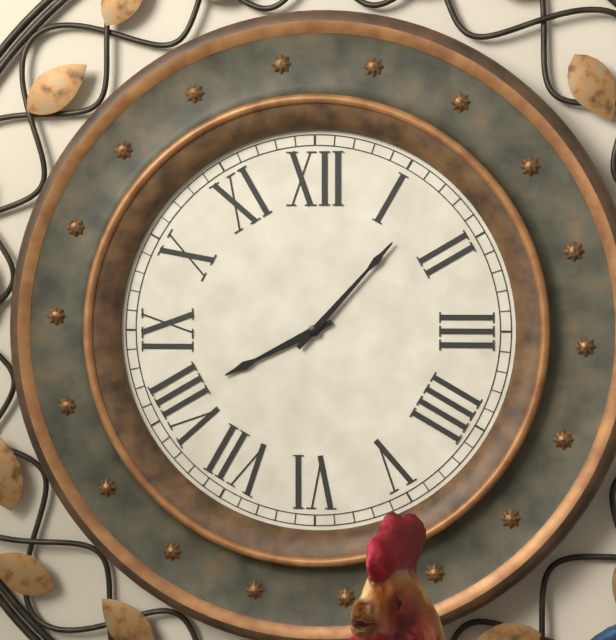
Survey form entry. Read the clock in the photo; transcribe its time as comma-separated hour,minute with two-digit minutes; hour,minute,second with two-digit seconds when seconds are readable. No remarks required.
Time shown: 8,07
